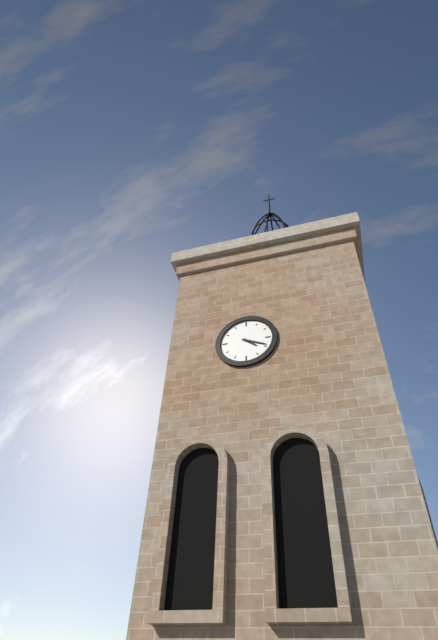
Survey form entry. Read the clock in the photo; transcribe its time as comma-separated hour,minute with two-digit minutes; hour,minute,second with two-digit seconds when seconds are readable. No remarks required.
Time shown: 4,19
